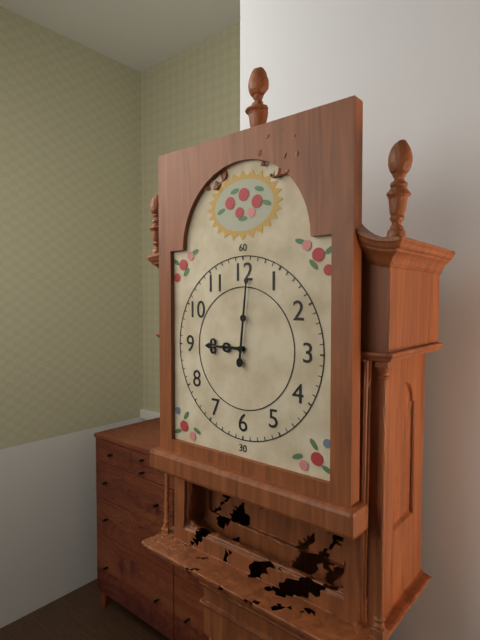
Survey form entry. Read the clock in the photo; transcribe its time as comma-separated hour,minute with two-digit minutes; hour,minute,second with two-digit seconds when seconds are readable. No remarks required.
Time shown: 9,01
